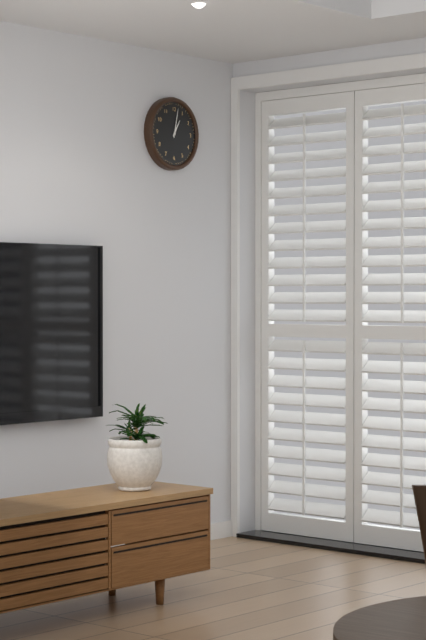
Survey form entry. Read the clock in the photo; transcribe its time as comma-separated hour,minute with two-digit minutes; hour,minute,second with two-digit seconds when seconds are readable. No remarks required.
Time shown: 1,02
